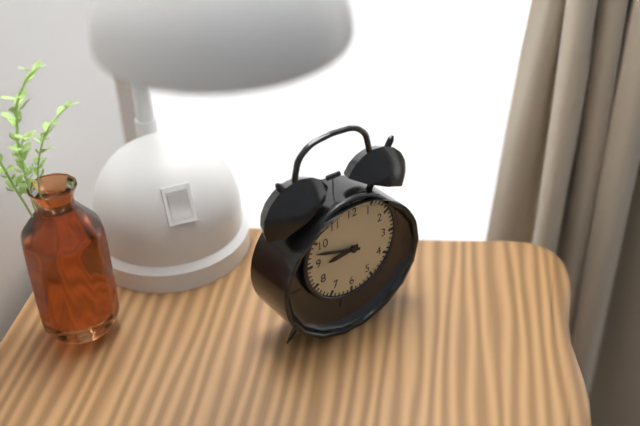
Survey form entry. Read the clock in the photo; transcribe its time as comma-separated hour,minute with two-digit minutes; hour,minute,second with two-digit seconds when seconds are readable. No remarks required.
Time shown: 8,48
